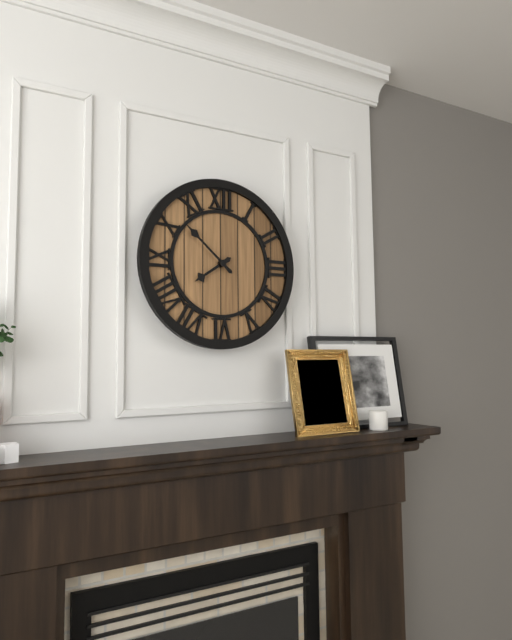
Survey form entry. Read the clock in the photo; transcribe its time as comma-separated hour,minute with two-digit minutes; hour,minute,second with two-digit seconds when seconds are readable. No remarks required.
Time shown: 7,52
